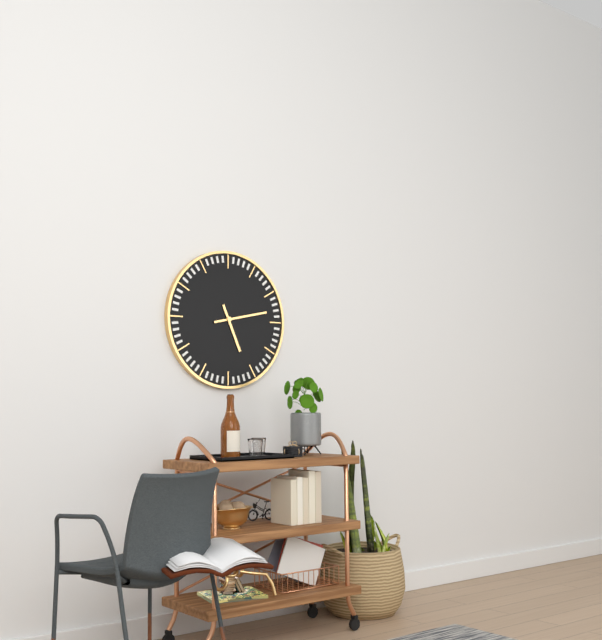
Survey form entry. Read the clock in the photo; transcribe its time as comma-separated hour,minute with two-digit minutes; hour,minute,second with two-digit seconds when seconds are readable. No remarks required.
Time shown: 5,13
